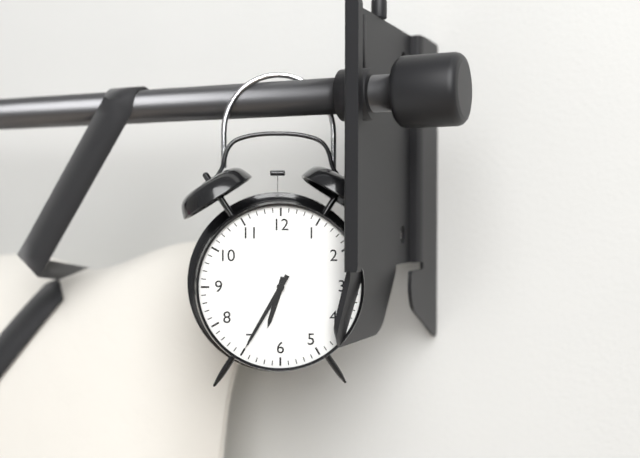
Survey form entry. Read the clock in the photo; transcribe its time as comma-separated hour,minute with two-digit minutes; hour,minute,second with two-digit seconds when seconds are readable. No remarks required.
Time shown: 6,35
